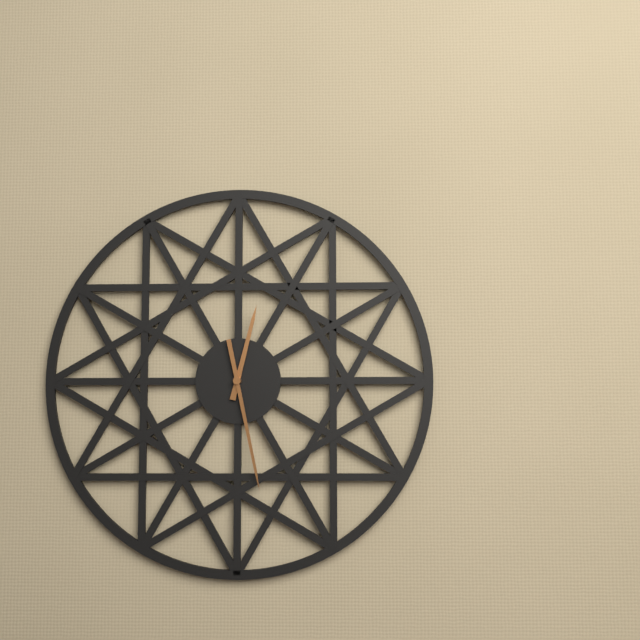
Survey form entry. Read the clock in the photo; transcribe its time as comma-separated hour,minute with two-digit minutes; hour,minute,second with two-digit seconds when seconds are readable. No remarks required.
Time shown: 12,28
